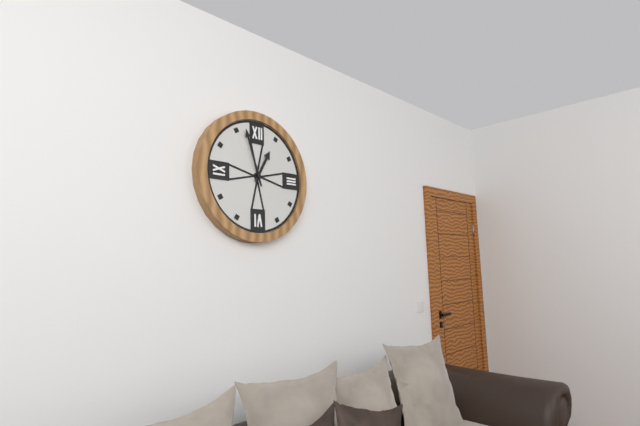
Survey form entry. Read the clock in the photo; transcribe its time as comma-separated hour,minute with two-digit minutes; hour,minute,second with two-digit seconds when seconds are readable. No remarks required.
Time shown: 12,57
